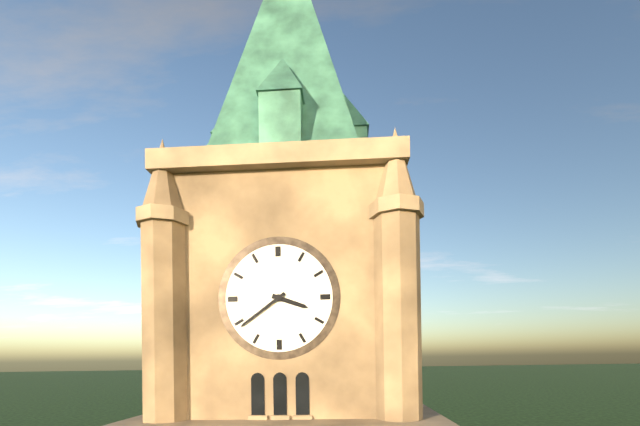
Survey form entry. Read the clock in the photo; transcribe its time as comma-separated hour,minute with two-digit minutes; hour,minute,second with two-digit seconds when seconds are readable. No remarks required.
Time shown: 3,39
